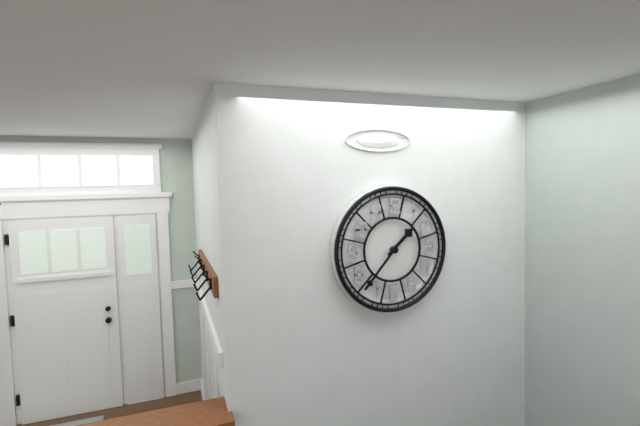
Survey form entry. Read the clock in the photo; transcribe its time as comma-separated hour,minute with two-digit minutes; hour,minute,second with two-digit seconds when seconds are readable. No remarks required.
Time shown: 1,37
